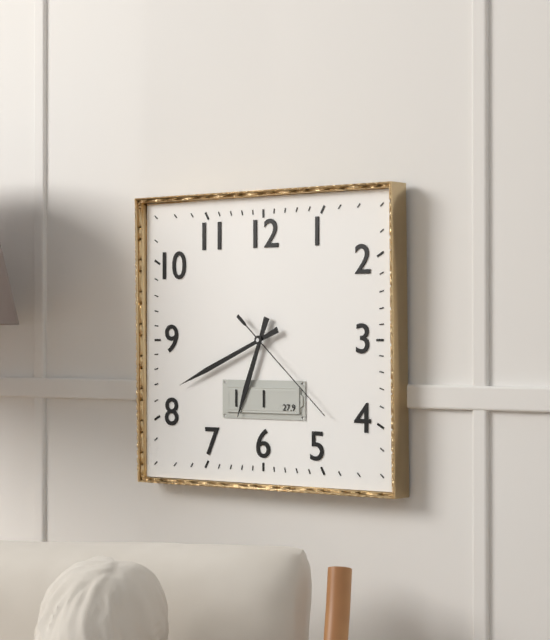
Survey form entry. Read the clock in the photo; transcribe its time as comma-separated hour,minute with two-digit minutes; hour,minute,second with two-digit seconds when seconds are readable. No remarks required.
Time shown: 6,41,22
